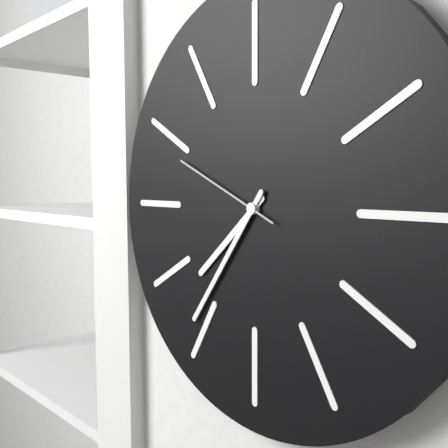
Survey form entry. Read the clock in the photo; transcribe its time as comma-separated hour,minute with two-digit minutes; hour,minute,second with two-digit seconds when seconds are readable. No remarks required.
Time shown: 7,36,49
